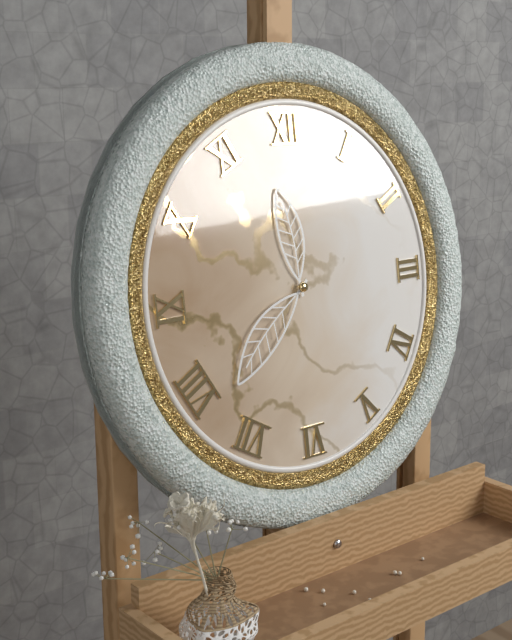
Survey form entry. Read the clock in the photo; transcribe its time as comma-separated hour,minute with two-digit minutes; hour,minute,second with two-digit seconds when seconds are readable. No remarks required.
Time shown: 11,38
